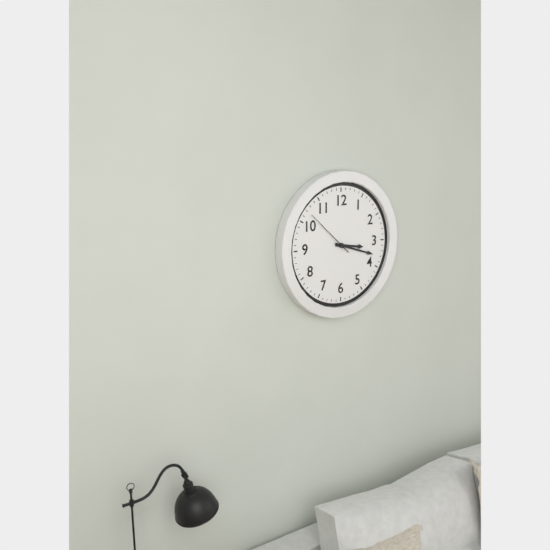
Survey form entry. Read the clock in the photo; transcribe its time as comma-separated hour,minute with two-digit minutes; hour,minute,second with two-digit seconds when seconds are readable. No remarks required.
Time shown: 3,18,52
